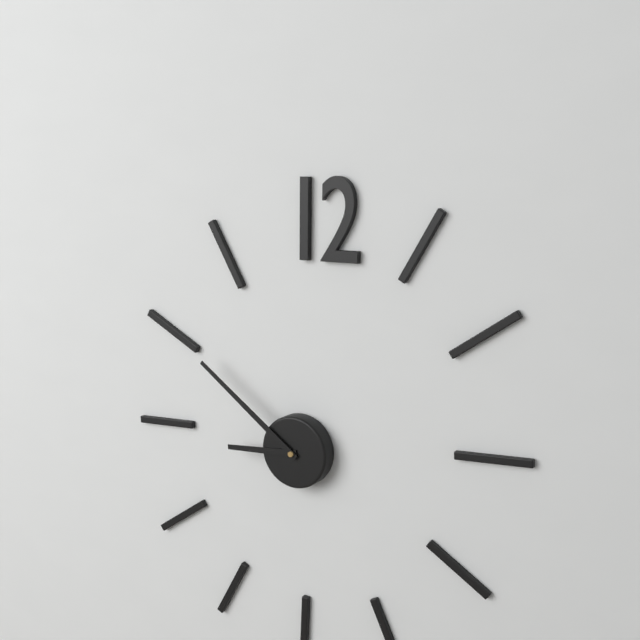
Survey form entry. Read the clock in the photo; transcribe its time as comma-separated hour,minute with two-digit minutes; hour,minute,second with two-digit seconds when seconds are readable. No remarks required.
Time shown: 8,51
